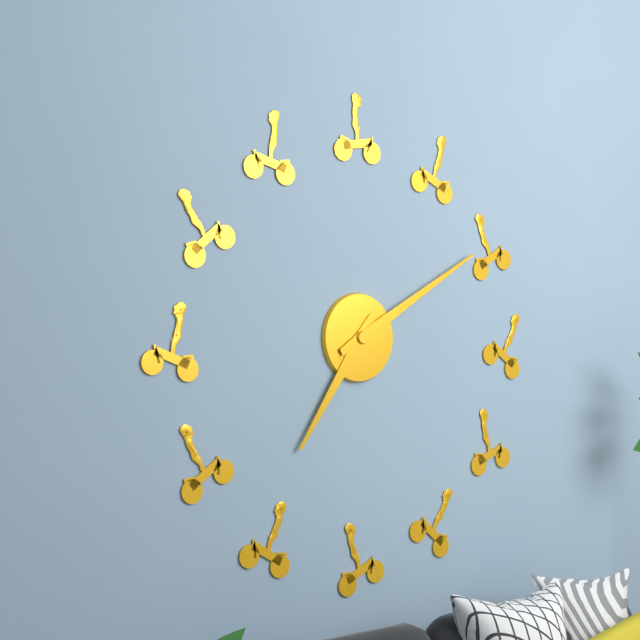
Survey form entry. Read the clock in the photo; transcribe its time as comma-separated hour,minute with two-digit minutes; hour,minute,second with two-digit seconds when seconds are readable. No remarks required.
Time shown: 7,10
